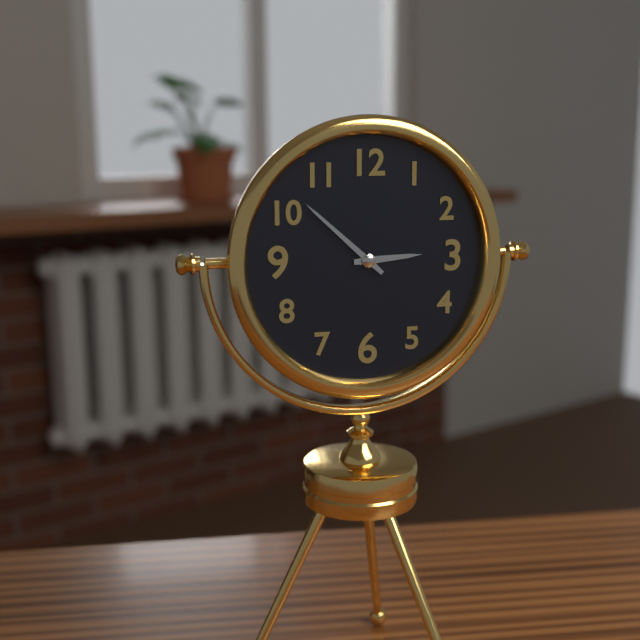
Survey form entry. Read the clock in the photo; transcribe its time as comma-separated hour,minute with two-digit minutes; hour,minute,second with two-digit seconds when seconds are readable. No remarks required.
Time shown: 2,52
